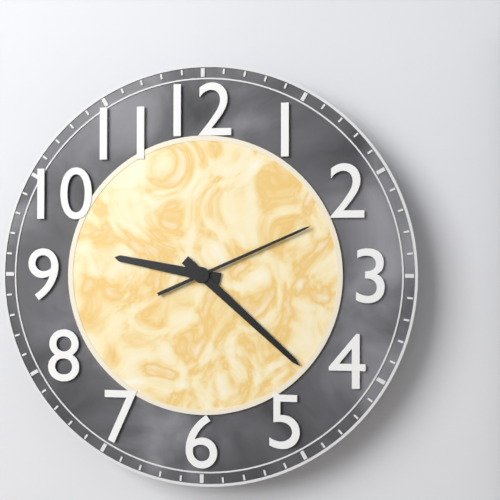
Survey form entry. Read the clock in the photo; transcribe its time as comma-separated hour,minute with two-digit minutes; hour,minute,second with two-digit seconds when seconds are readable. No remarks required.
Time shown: 9,22,11
